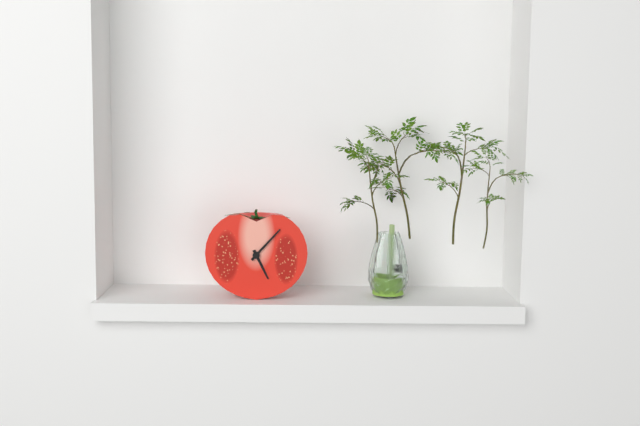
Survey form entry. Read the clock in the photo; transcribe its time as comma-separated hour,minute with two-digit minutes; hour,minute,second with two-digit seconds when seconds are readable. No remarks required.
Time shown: 5,07
